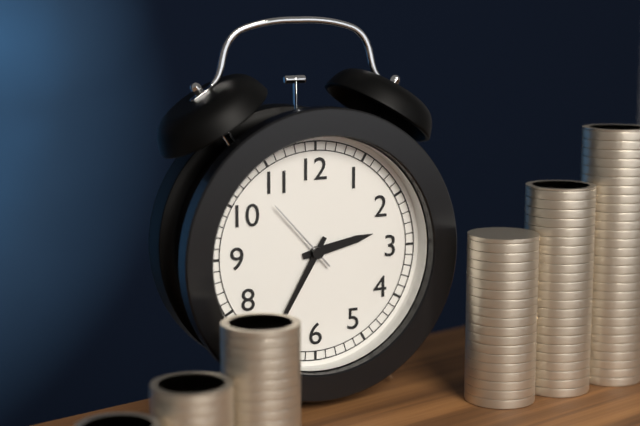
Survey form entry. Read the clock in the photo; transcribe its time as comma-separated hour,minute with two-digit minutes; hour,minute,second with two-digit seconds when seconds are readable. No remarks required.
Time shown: 2,35,53
